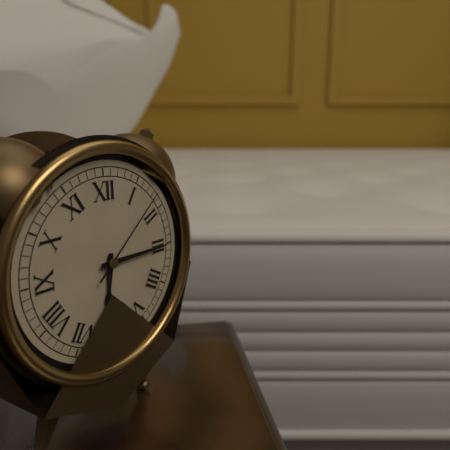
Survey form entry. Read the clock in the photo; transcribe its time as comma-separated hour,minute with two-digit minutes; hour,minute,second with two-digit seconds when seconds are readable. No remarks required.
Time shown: 6,15,08
